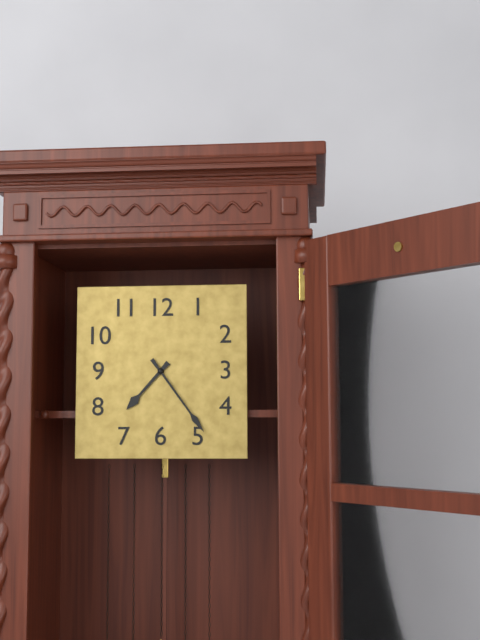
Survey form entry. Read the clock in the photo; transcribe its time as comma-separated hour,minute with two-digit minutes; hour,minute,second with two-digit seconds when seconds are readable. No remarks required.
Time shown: 7,24
